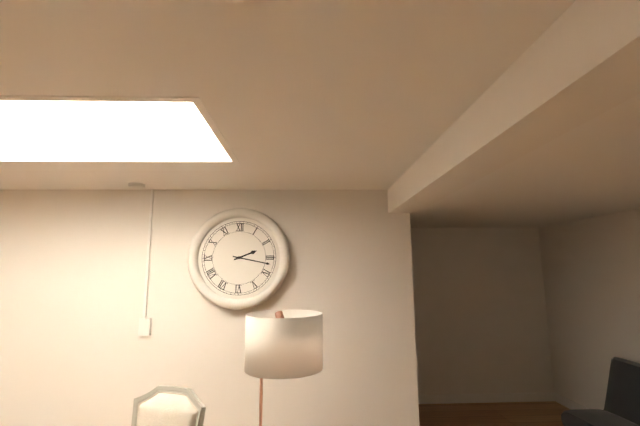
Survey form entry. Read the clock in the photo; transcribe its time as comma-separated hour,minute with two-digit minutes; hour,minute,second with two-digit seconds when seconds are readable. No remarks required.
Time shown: 2,17
